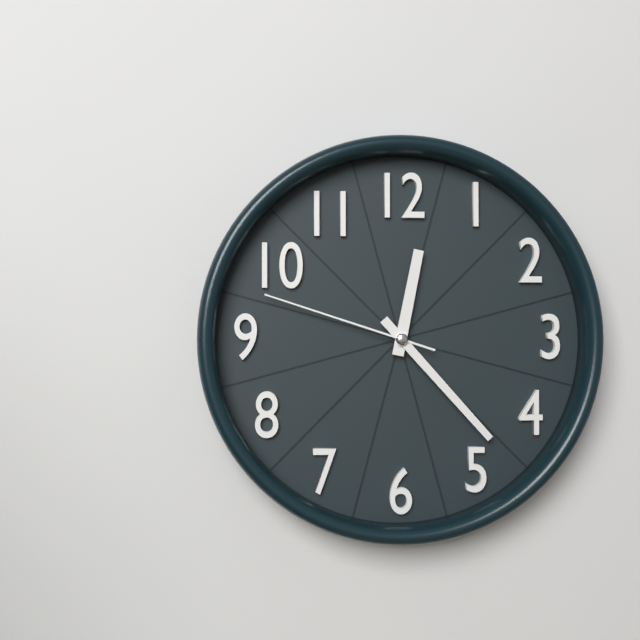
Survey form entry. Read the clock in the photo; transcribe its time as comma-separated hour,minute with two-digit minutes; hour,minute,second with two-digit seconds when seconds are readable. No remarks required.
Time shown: 12,23,48
